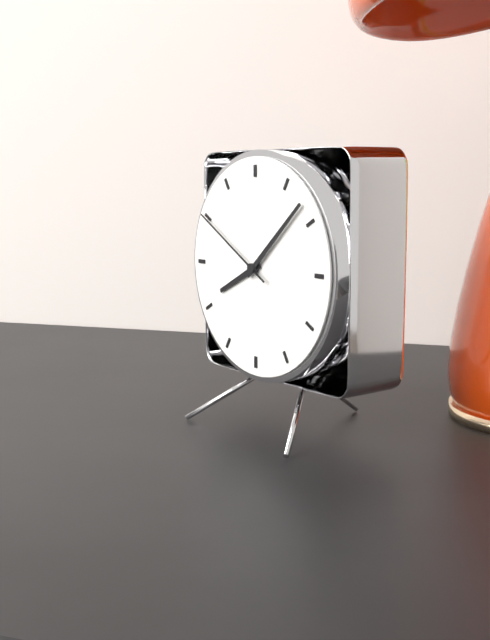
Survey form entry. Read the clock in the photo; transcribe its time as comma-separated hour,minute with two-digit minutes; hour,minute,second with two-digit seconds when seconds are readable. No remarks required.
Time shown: 8,08,50
